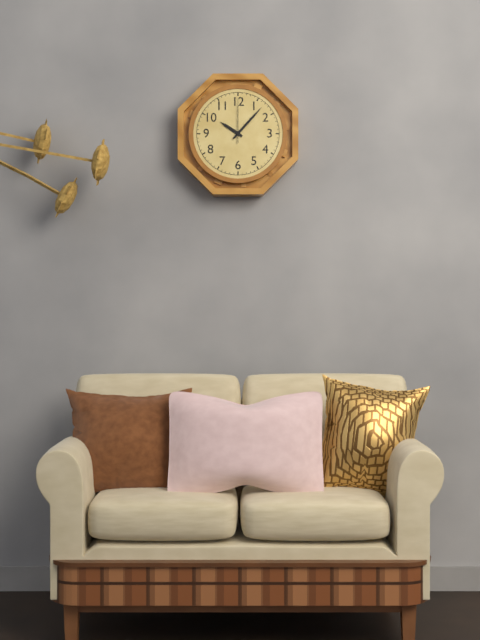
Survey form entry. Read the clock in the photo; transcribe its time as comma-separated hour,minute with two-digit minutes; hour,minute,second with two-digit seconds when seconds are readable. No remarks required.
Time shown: 10,07
